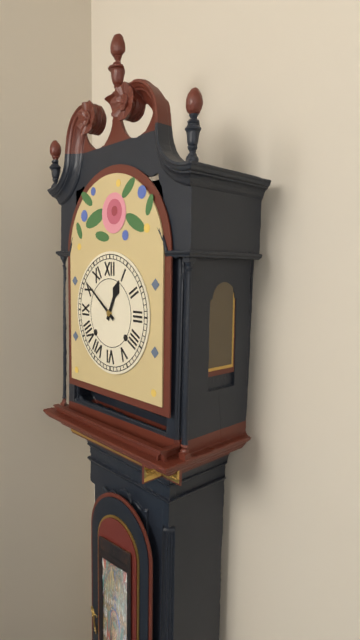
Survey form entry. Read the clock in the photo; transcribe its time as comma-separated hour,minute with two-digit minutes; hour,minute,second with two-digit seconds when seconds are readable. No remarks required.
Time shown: 12,51
